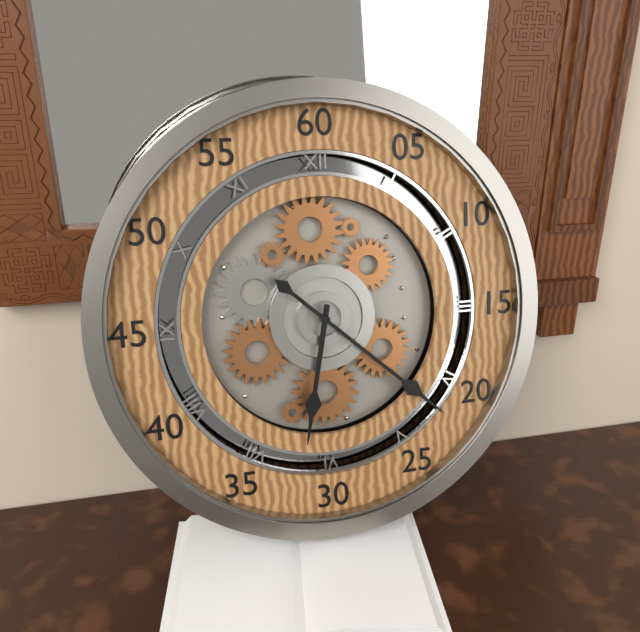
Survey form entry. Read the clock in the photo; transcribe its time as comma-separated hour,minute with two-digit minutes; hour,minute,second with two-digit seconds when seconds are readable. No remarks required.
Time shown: 6,22
